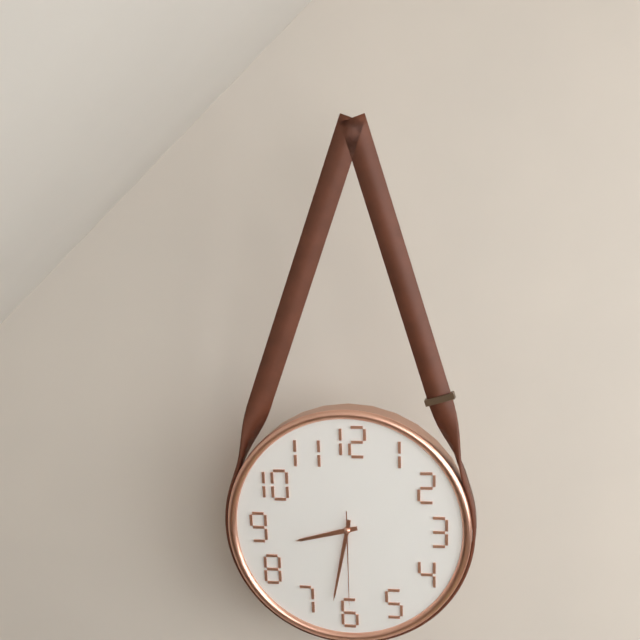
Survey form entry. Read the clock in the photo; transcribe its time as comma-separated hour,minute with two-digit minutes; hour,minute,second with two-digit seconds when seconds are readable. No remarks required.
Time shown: 8,32,30
